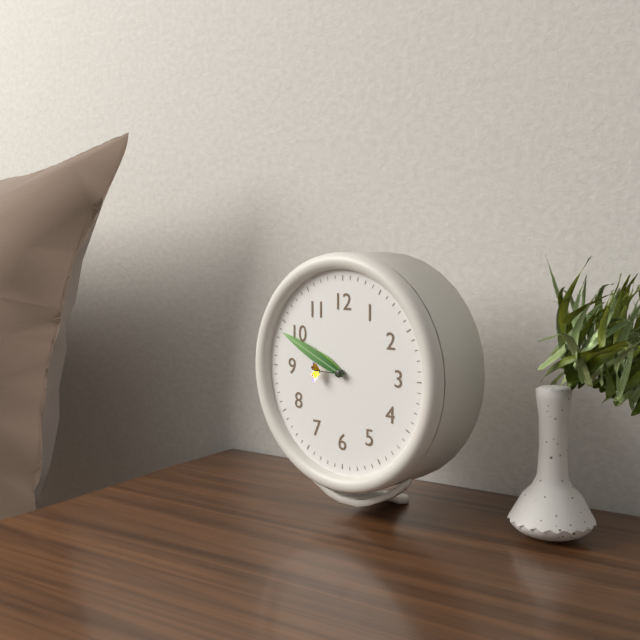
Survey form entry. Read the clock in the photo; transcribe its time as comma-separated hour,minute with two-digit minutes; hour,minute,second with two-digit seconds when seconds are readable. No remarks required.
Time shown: 9,49
